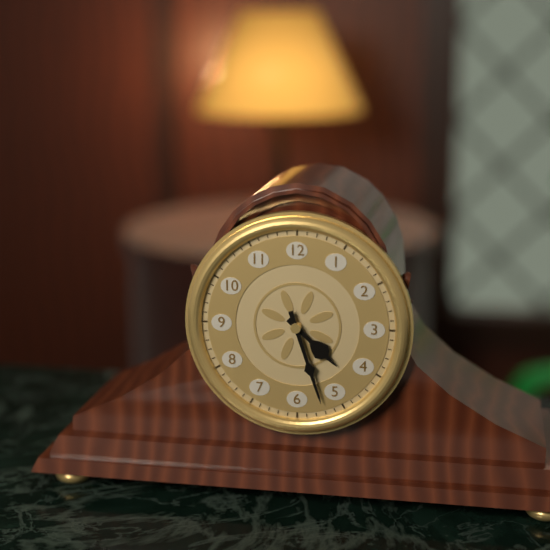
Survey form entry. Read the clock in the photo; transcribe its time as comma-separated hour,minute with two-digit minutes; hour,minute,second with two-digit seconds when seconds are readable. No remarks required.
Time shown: 4,27
